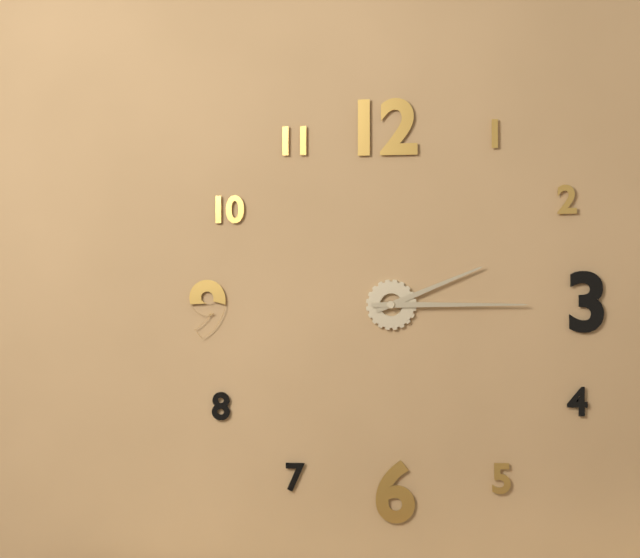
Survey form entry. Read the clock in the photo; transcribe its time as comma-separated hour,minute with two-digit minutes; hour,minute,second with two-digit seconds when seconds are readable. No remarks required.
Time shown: 2,15
